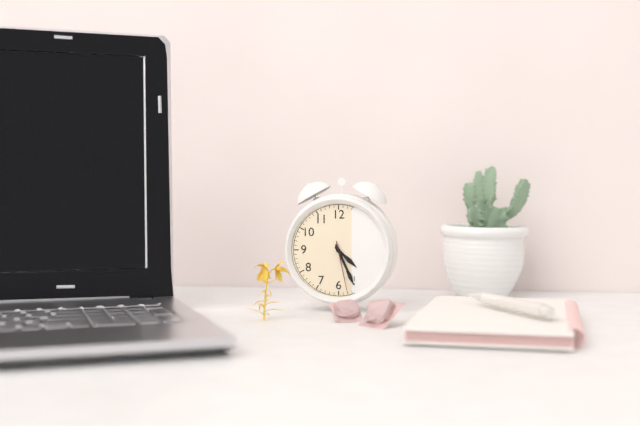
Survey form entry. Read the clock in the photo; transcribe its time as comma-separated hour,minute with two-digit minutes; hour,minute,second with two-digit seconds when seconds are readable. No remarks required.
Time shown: 4,26,28
